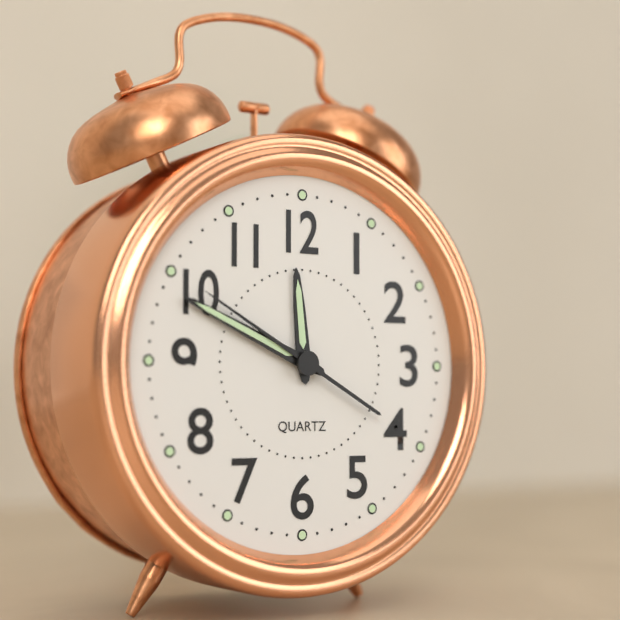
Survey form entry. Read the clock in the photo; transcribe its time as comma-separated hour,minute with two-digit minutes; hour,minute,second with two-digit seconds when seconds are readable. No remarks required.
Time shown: 11,49,50
